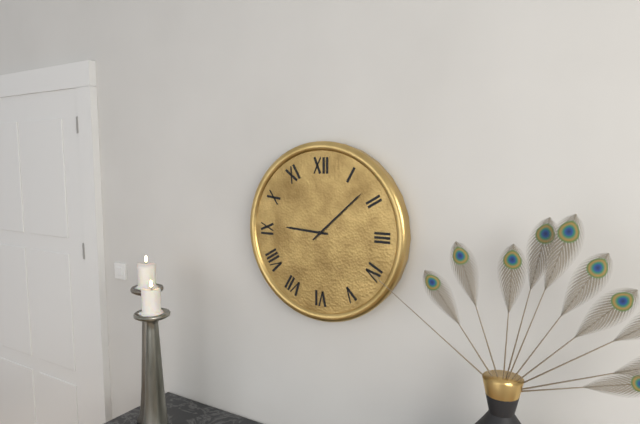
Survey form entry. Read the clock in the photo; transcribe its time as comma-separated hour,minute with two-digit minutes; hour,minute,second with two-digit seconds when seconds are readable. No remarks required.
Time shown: 9,08
